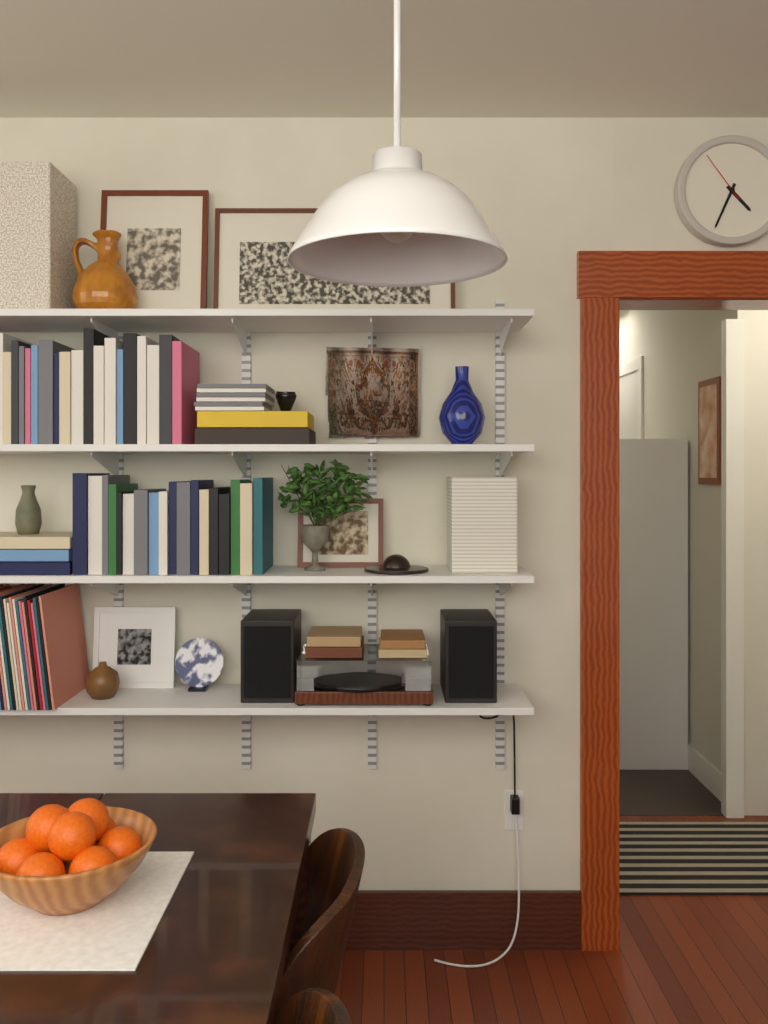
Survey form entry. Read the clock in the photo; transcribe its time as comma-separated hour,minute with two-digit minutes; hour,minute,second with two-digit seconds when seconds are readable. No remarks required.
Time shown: 4,34,54
